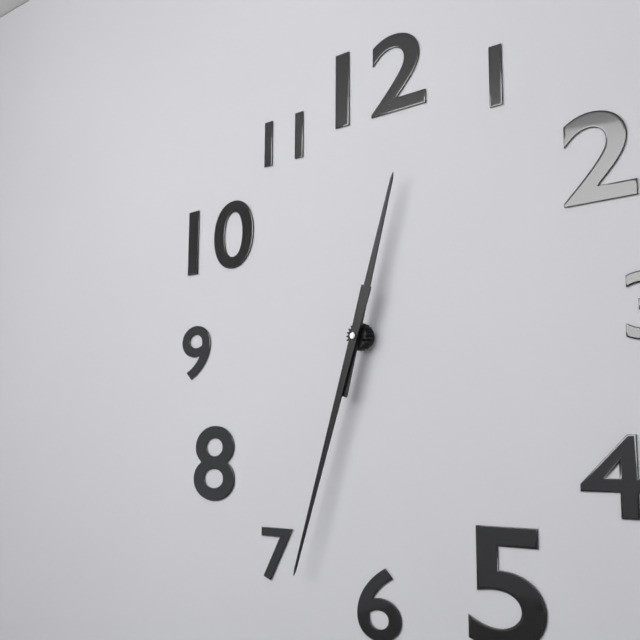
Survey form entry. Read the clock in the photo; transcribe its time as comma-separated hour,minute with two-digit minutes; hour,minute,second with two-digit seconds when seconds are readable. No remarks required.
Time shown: 12,33
